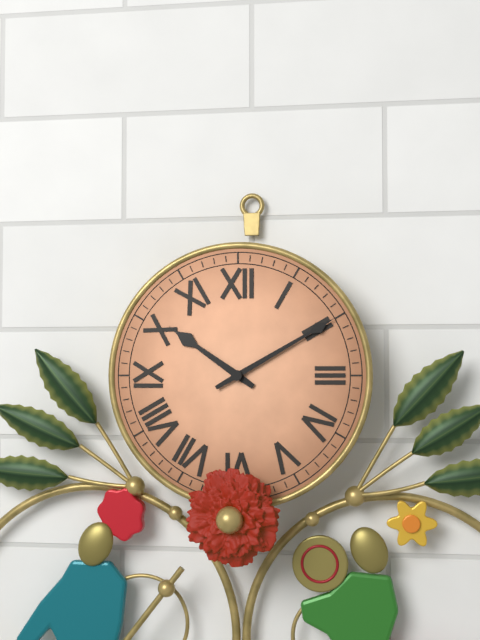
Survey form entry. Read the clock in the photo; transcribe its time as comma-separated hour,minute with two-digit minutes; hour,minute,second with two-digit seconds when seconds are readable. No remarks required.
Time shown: 10,10
